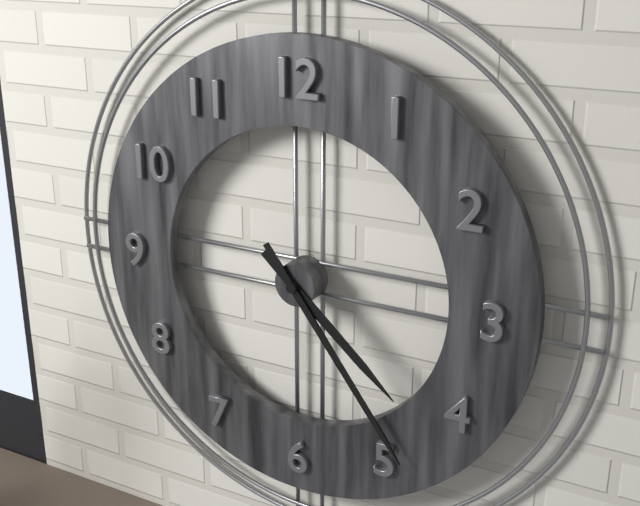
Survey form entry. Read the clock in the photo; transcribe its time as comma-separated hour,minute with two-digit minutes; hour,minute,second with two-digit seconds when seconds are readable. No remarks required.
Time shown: 4,24
